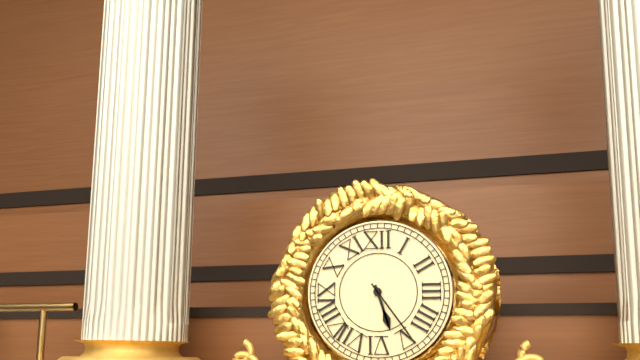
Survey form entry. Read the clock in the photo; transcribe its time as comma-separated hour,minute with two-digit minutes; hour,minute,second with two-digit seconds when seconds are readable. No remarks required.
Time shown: 5,24
